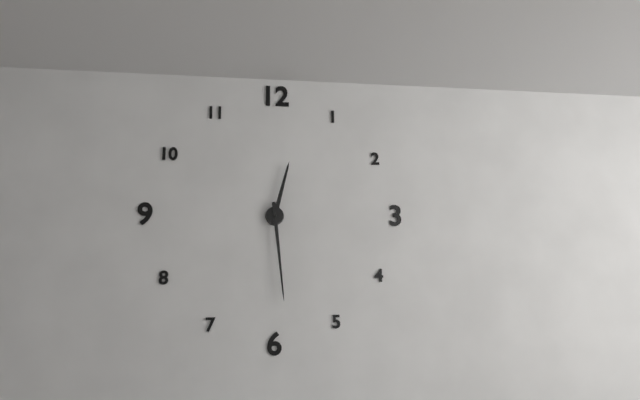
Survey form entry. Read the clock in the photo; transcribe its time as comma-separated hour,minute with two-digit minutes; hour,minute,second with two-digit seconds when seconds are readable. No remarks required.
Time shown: 12,29
